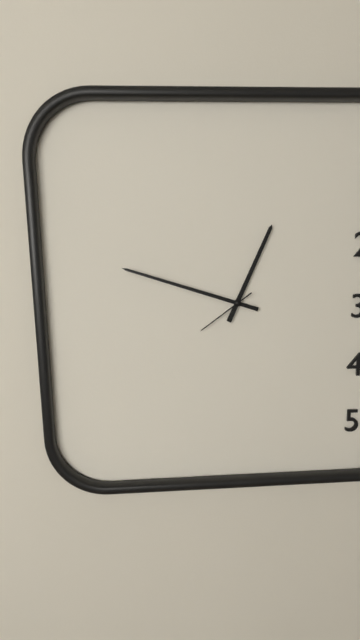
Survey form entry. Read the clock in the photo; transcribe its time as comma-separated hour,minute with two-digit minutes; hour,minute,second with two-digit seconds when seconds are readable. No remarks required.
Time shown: 12,48,39
